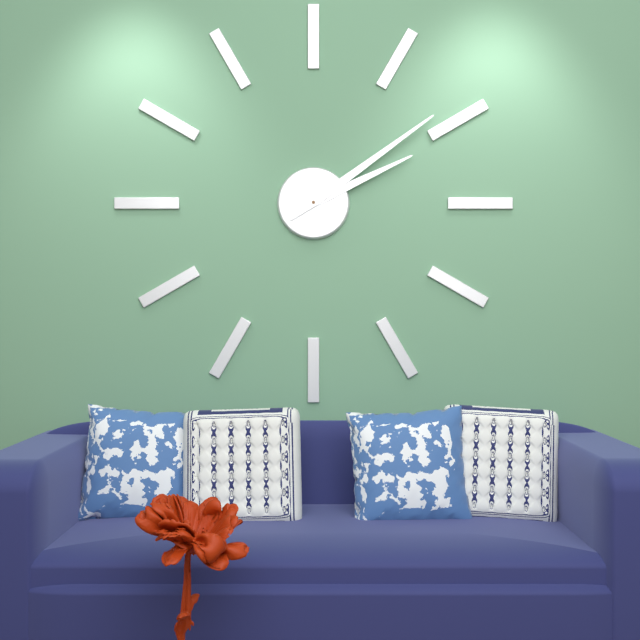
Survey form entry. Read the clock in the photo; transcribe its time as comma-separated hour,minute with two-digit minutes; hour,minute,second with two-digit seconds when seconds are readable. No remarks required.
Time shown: 2,09
